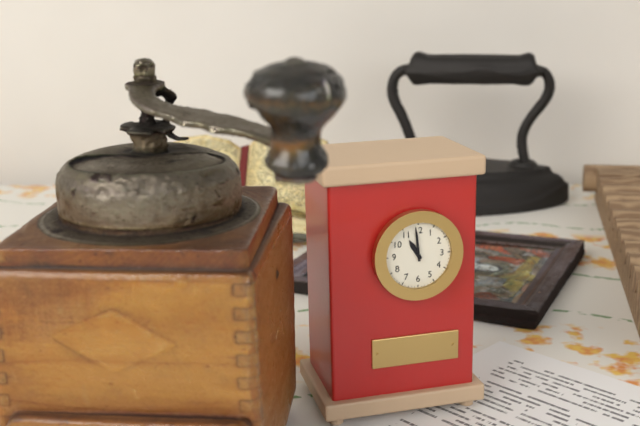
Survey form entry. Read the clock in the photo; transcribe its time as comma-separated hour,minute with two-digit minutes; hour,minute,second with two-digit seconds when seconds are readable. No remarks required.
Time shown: 10,59
